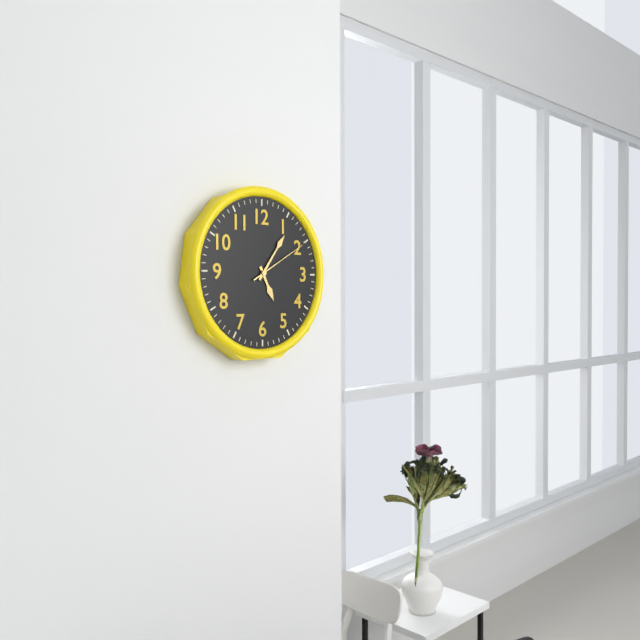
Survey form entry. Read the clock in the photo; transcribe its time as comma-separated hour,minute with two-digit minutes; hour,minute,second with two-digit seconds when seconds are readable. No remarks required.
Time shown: 5,06,10
